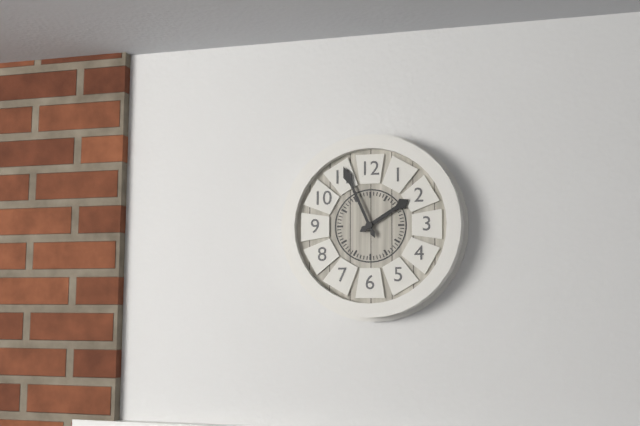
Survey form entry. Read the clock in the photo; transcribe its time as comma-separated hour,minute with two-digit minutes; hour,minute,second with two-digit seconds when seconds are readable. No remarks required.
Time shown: 1,56
